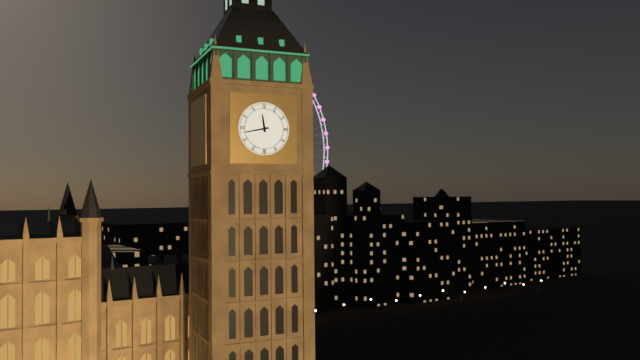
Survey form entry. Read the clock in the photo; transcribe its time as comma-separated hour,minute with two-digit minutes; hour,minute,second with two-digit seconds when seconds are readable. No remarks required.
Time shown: 11,43
